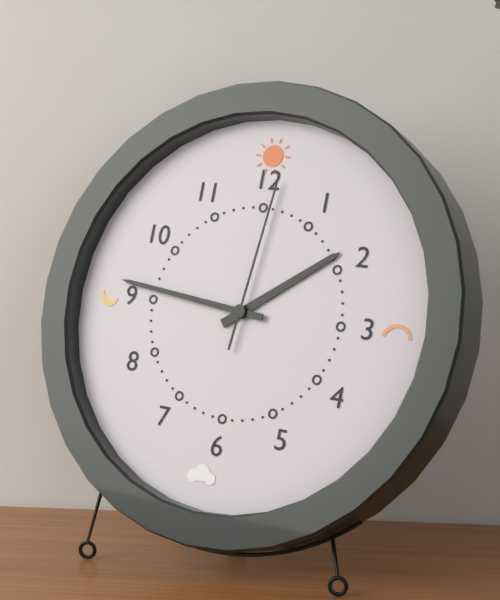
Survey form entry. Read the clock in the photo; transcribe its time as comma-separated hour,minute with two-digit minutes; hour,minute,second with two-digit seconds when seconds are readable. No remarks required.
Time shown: 1,46,01
